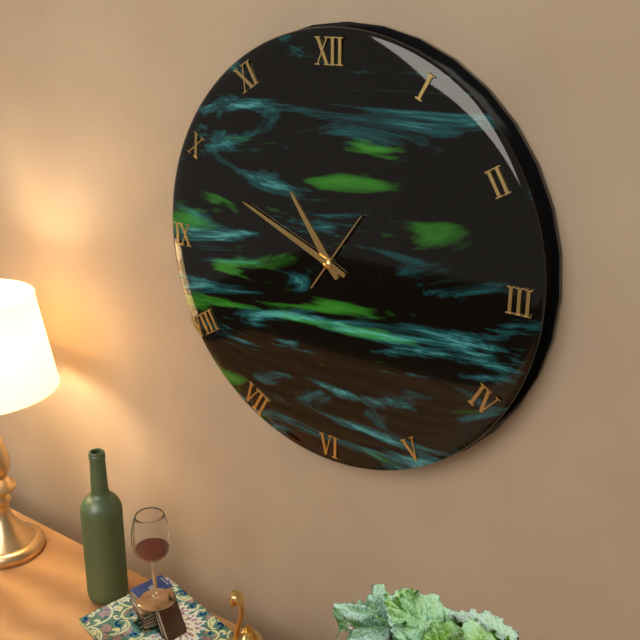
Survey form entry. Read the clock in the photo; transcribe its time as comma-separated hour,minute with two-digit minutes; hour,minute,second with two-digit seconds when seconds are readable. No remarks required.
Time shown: 10,49,06
